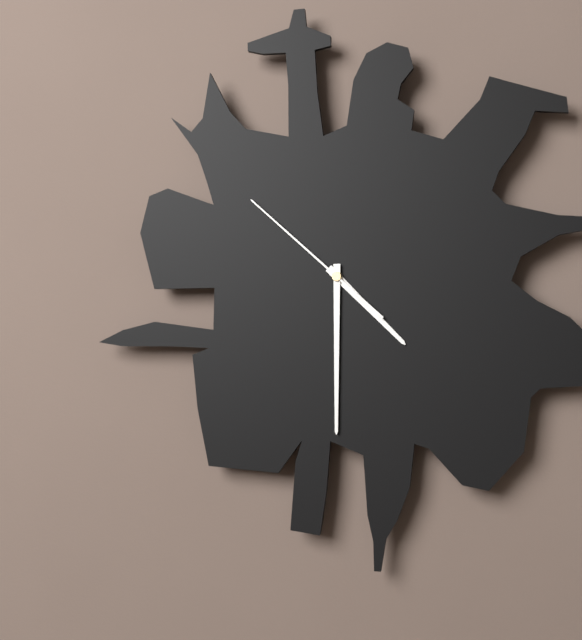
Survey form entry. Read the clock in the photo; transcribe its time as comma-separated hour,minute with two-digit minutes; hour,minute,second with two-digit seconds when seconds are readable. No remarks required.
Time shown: 4,30,52
